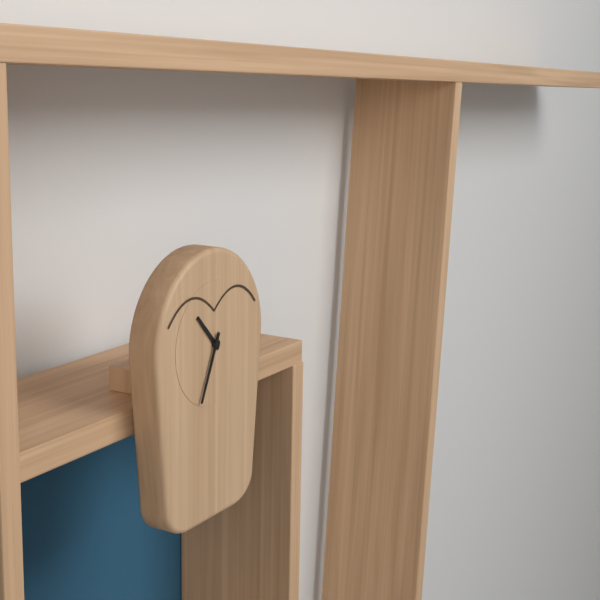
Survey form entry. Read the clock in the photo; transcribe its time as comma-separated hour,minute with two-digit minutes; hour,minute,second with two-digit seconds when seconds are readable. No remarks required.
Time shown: 10,34
